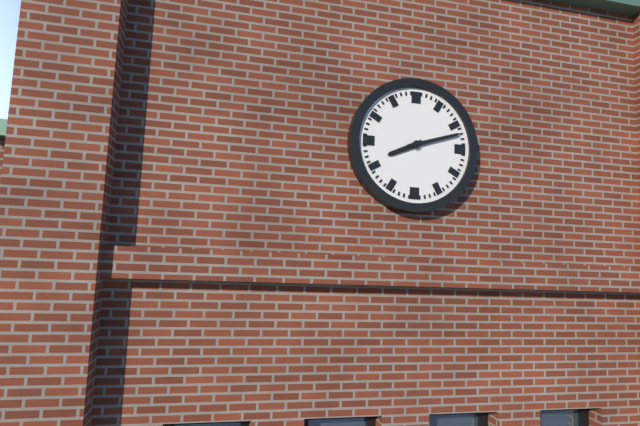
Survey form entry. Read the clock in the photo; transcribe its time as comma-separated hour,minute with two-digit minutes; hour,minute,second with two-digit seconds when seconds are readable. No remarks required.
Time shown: 8,12
